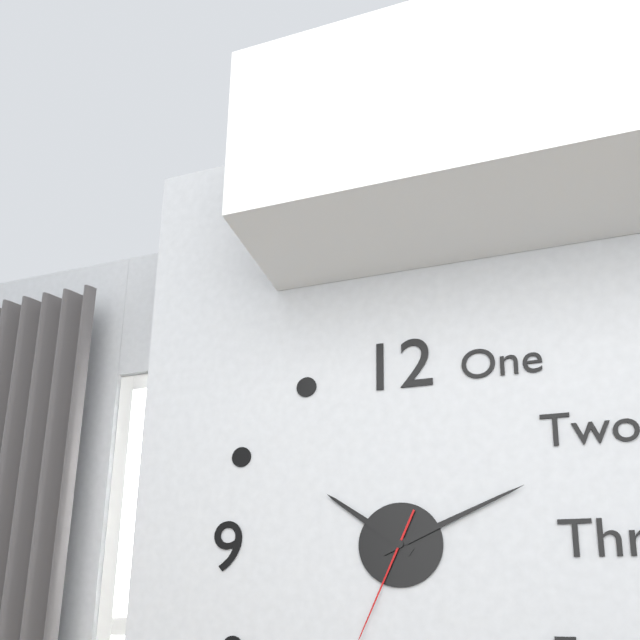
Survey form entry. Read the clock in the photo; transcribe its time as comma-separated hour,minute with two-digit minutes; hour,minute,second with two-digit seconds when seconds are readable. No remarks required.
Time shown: 10,11
